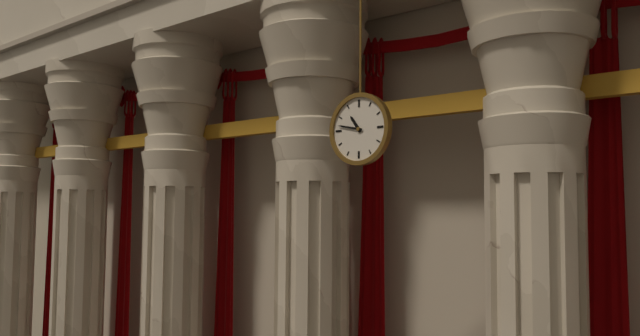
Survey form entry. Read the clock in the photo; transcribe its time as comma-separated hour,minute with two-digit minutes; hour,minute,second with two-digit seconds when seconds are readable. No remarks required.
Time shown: 10,47
